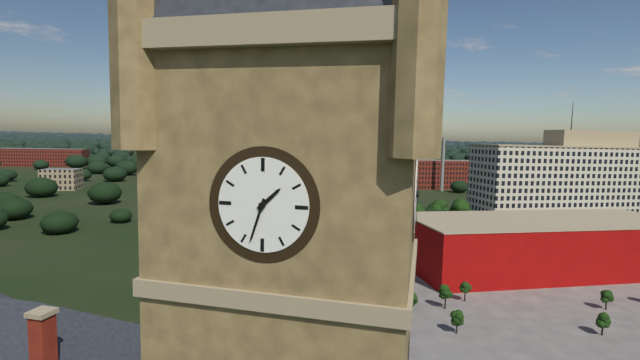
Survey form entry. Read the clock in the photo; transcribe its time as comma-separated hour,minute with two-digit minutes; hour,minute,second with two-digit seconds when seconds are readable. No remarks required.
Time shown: 1,33
